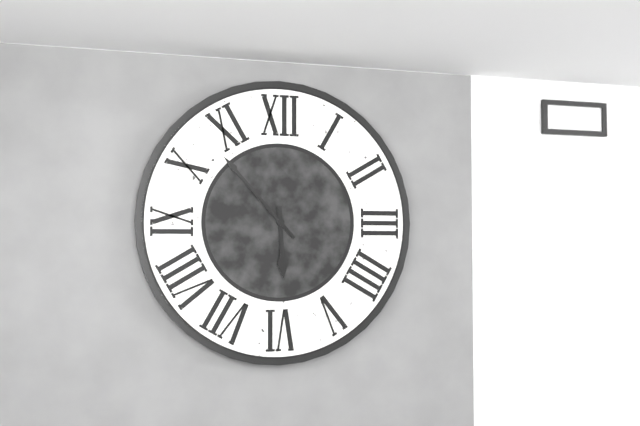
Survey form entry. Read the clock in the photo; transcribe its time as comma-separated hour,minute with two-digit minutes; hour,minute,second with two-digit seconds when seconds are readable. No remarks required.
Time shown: 5,53
